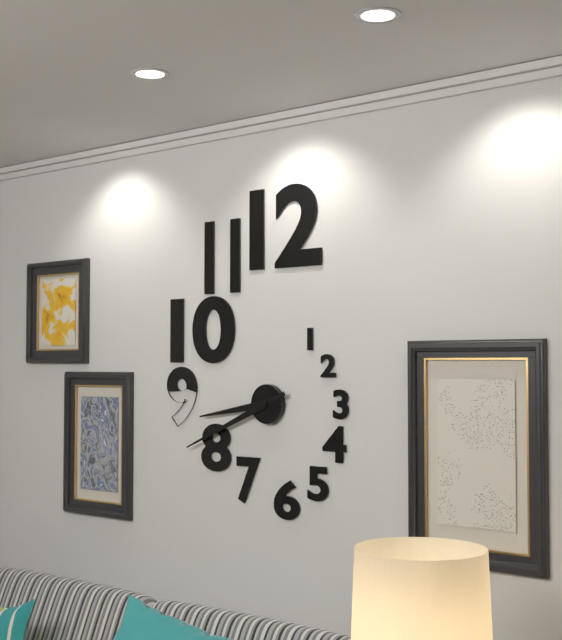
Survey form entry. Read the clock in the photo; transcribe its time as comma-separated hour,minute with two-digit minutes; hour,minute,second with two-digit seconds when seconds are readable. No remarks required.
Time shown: 8,41
